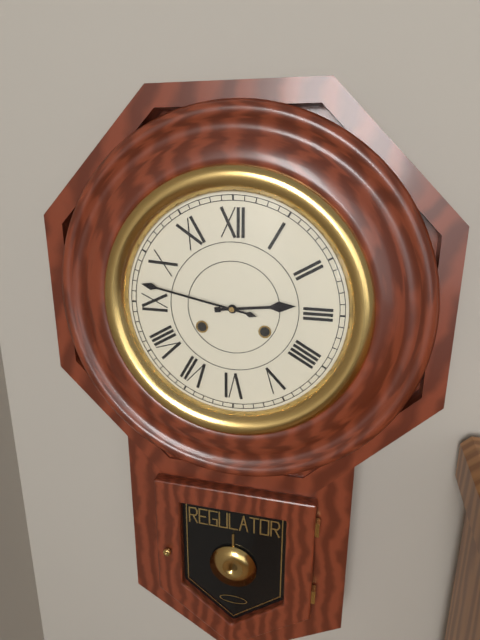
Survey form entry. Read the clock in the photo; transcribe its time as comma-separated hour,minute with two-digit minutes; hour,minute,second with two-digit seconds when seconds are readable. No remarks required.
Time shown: 2,47
